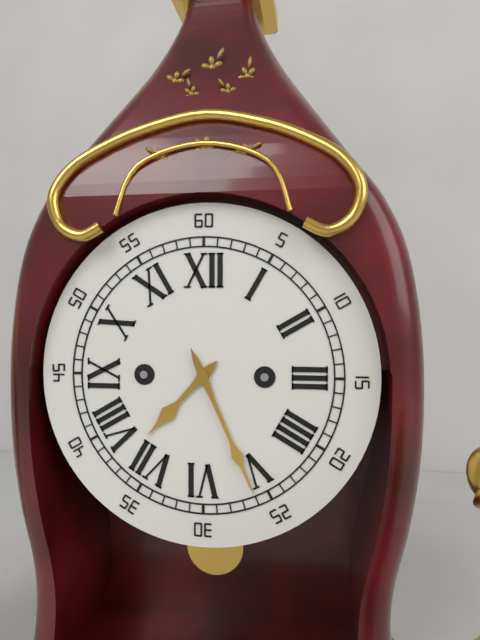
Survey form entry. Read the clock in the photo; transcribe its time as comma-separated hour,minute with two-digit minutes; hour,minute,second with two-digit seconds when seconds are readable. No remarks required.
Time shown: 7,26
